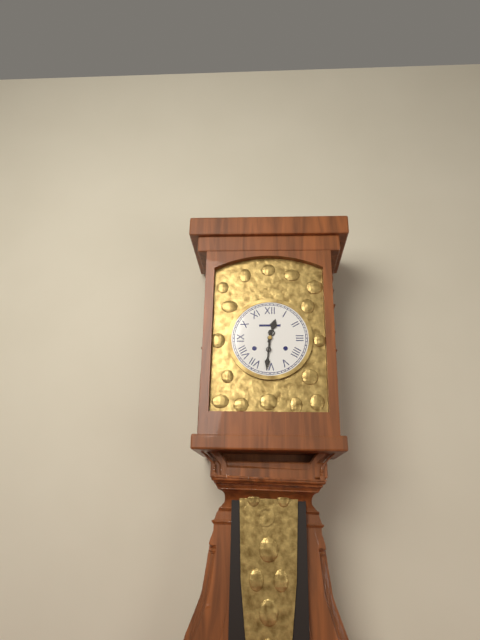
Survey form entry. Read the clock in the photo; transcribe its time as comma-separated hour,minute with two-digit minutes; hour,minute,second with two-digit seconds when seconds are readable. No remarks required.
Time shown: 12,31
